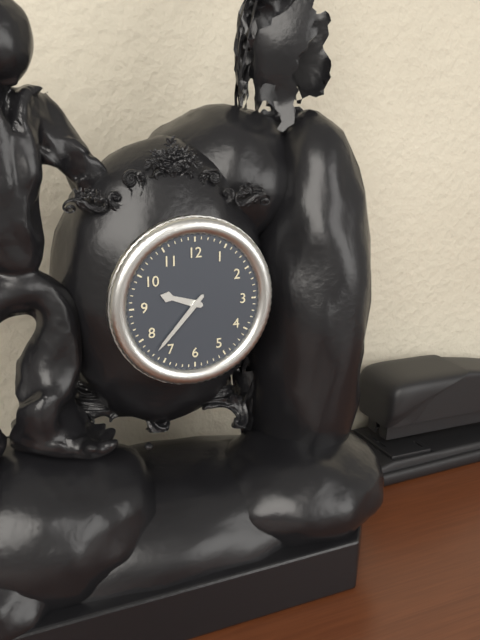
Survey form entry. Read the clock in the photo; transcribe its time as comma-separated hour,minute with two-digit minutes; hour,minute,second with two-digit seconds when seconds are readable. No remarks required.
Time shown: 9,37
